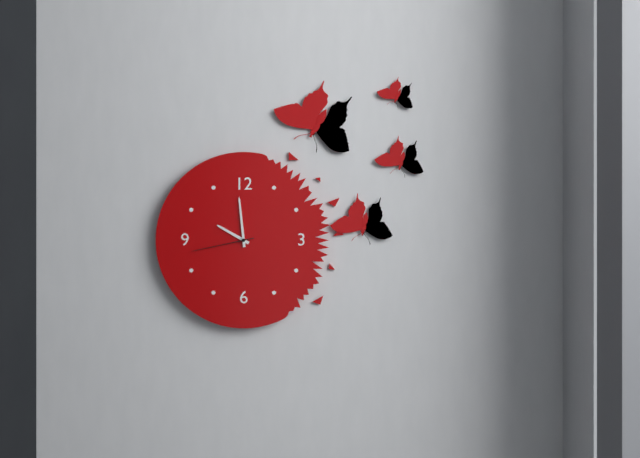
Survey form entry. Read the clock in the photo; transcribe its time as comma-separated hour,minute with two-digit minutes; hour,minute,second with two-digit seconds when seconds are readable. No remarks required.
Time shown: 9,59,43
